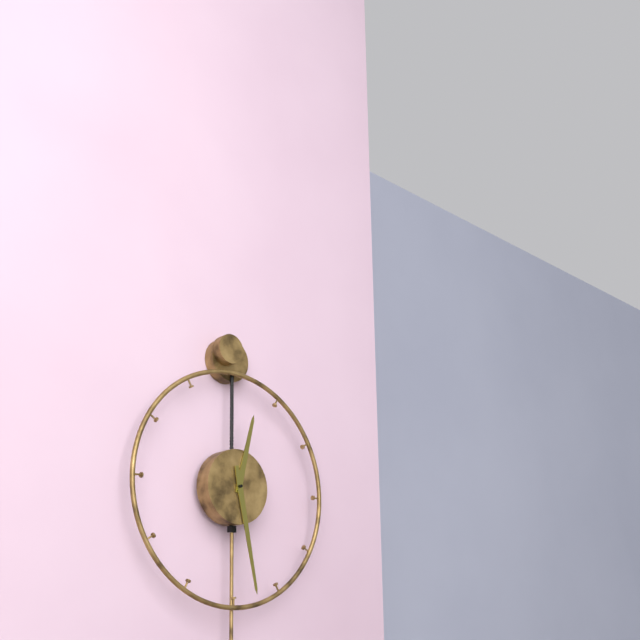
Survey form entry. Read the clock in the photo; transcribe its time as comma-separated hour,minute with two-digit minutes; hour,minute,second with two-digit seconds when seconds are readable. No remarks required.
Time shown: 12,28
